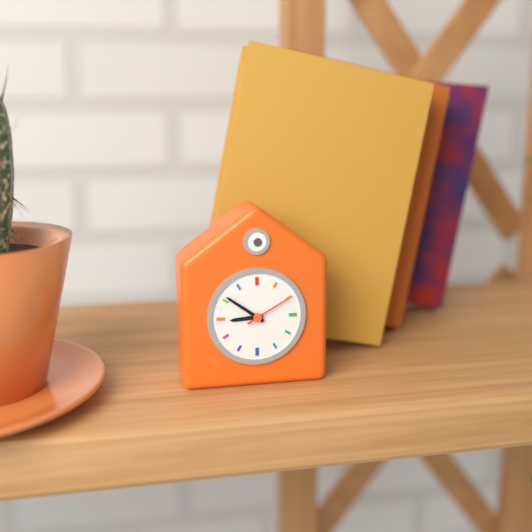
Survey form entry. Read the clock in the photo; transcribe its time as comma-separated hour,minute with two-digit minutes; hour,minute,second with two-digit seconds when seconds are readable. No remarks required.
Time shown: 8,51,10
